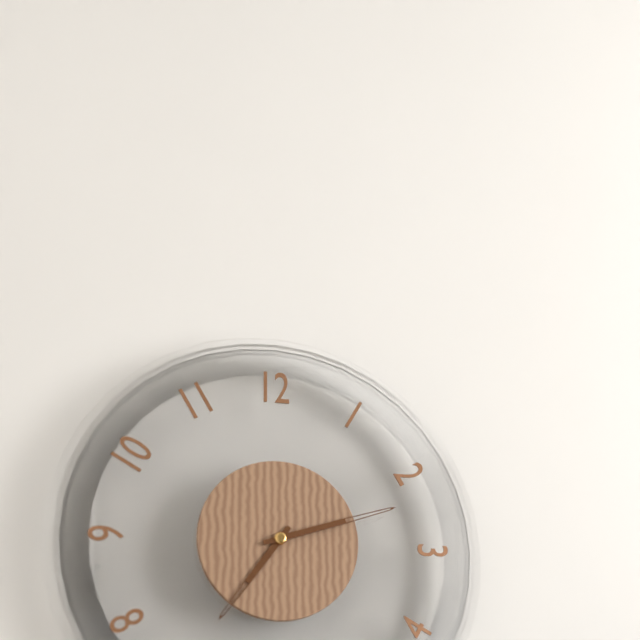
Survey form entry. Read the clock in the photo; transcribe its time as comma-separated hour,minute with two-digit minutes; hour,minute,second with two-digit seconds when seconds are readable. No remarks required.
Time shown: 7,12
